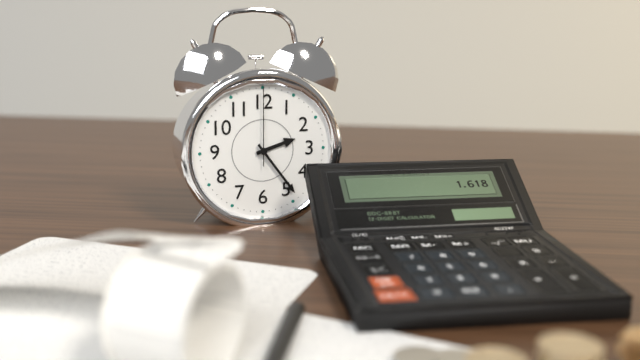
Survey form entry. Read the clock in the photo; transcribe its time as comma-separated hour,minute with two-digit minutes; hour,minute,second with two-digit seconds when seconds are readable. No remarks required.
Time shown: 2,24,00
